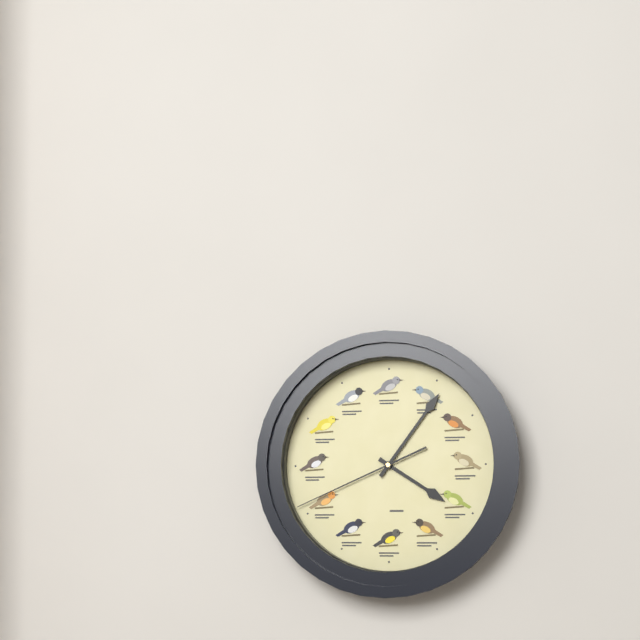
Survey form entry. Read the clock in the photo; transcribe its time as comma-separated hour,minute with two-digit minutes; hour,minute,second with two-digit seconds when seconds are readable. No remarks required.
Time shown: 4,06,41
